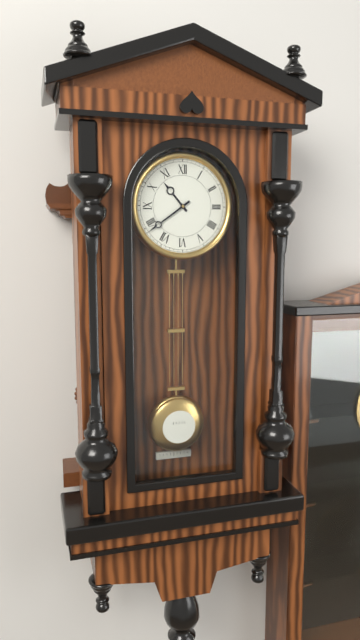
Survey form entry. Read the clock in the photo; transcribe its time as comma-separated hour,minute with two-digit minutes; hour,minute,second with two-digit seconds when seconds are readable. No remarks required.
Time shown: 10,39
